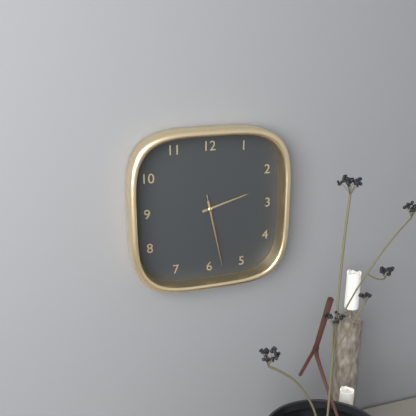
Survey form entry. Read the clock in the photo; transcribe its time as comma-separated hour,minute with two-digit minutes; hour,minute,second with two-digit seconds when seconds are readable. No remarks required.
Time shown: 2,28,28
